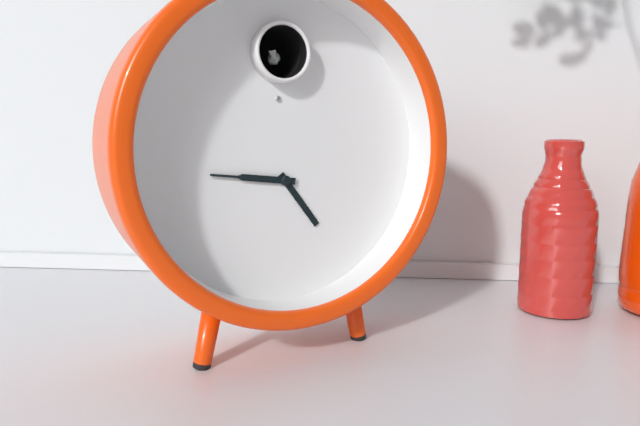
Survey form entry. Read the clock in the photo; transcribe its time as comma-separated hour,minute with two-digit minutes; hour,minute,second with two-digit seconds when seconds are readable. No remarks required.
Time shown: 4,46
